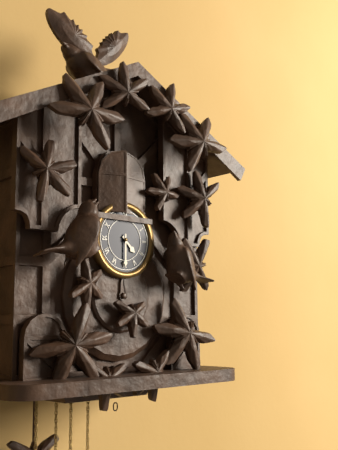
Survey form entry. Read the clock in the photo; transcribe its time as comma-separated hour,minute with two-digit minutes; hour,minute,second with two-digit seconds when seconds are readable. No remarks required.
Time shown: 4,30
